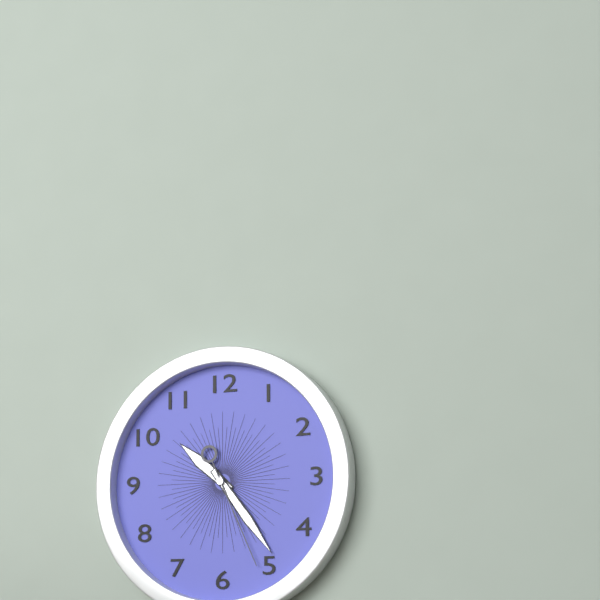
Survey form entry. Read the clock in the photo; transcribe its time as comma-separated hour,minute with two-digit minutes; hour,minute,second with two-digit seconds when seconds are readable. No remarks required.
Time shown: 10,24,26
